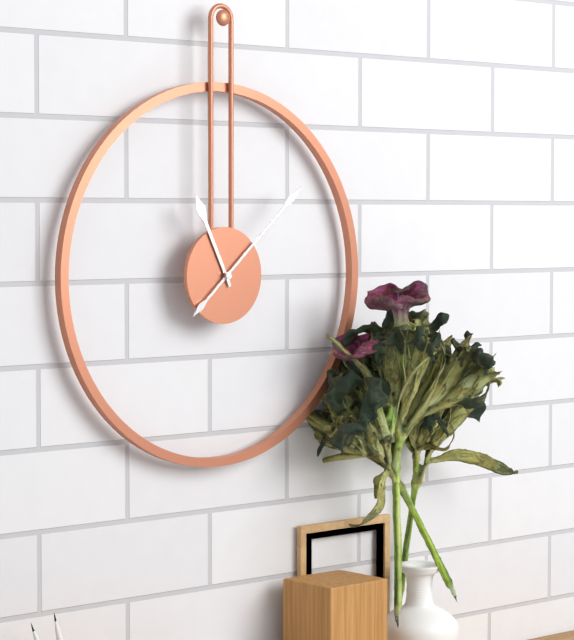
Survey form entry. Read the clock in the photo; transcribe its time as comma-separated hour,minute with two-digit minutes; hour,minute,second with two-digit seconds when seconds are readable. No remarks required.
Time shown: 11,08
